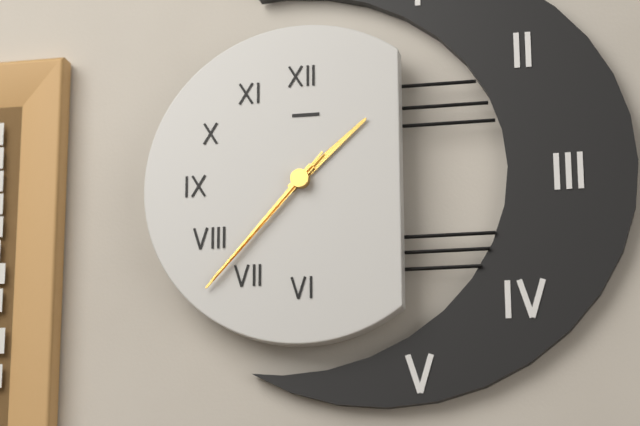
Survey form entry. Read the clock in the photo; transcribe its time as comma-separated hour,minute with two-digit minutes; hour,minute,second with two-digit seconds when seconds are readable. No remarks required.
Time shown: 1,37,37
